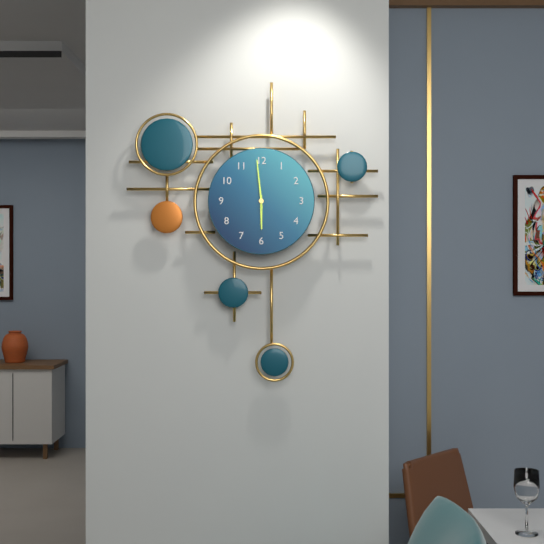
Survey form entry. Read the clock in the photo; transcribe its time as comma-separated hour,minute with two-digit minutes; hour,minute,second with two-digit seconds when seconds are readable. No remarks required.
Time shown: 5,59
